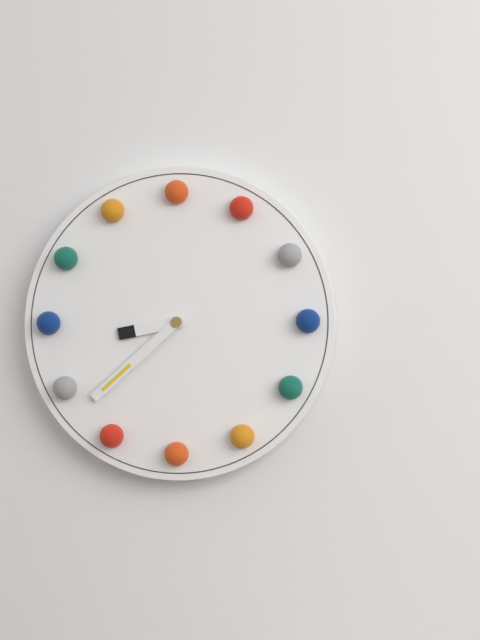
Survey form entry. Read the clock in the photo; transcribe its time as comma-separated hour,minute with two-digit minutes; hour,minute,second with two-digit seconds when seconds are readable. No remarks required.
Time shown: 8,38
